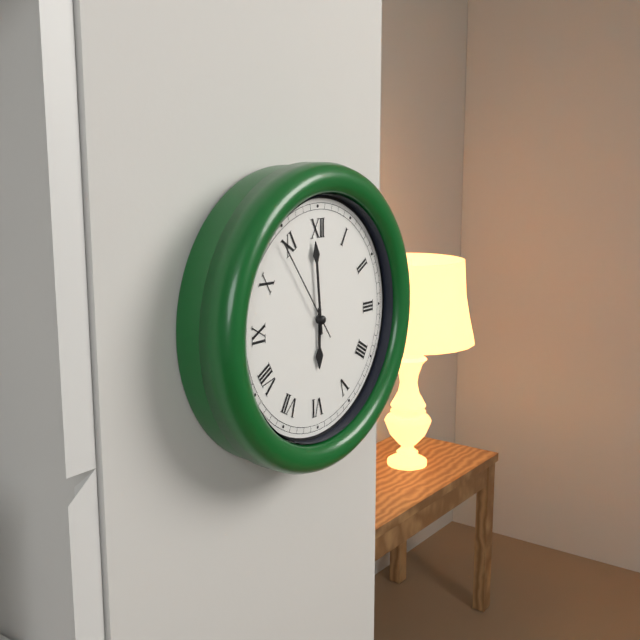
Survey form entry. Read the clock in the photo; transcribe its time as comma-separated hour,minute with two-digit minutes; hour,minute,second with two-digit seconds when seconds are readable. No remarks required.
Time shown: 5,59,54
